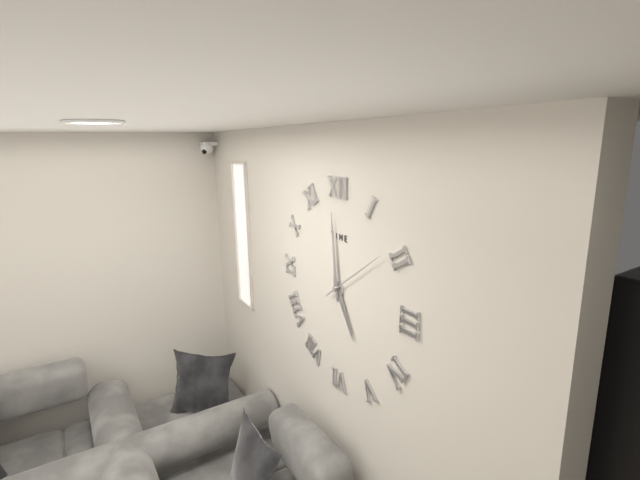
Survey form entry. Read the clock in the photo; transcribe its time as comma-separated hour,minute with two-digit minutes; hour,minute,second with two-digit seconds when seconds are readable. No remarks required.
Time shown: 4,59,09
